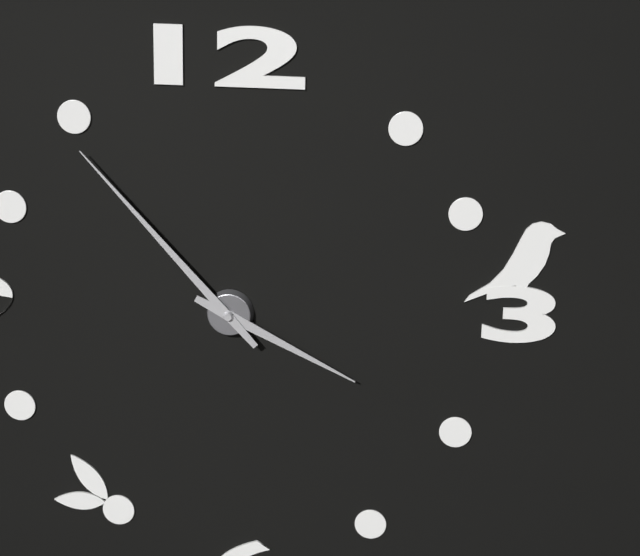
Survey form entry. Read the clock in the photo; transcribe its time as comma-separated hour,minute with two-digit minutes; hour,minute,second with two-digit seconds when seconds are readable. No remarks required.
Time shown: 3,53
